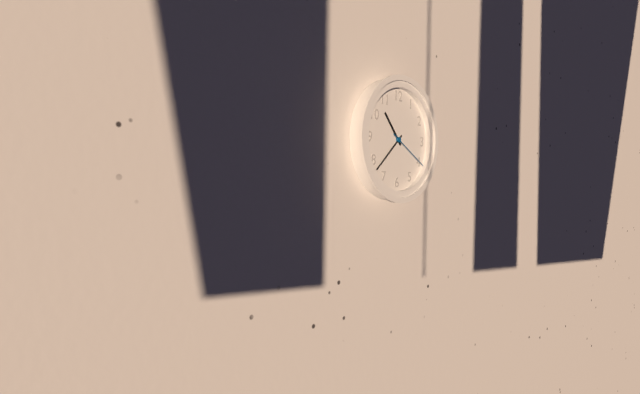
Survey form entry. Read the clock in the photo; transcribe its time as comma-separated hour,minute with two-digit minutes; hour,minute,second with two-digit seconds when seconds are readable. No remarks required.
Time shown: 10,38,20
